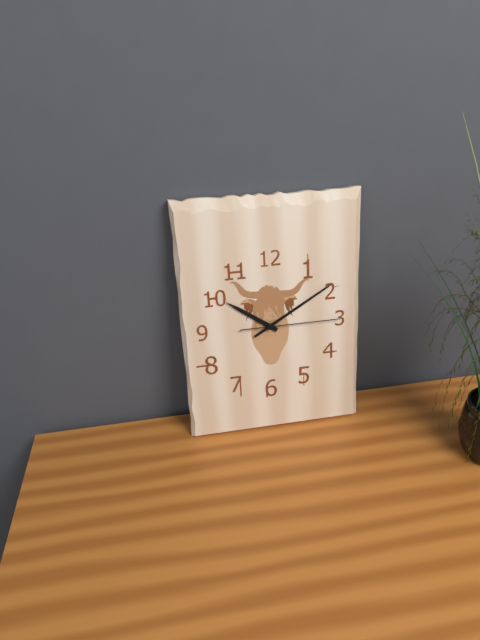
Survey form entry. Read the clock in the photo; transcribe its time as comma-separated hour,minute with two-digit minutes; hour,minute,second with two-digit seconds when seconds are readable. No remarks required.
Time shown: 10,10,15
